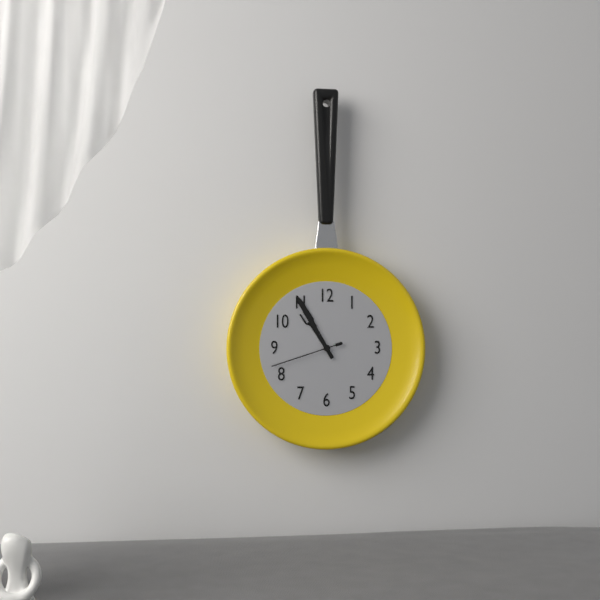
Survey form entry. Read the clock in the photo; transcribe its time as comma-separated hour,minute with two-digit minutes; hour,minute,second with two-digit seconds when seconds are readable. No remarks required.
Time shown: 10,55,42
